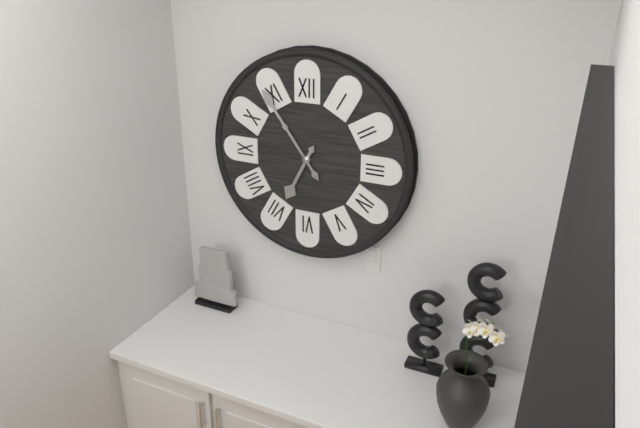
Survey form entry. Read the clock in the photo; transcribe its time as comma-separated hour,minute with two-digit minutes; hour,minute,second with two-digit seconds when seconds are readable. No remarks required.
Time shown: 6,54
